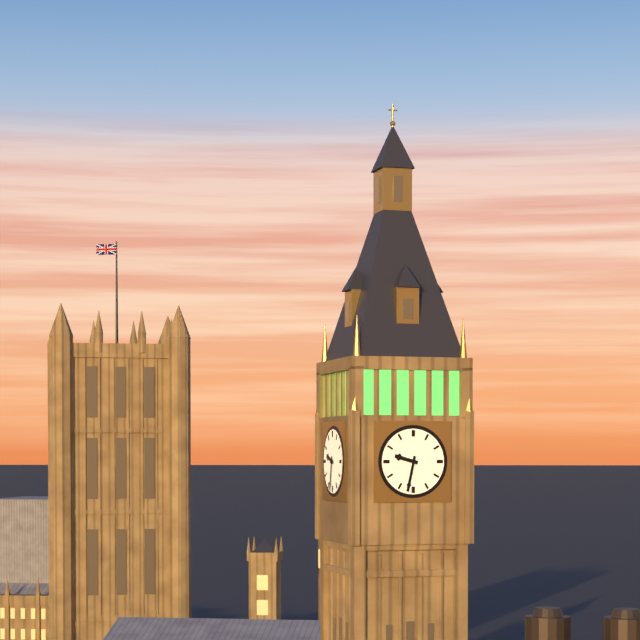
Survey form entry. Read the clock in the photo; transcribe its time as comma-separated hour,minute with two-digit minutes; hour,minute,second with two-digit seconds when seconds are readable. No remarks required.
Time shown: 9,32
